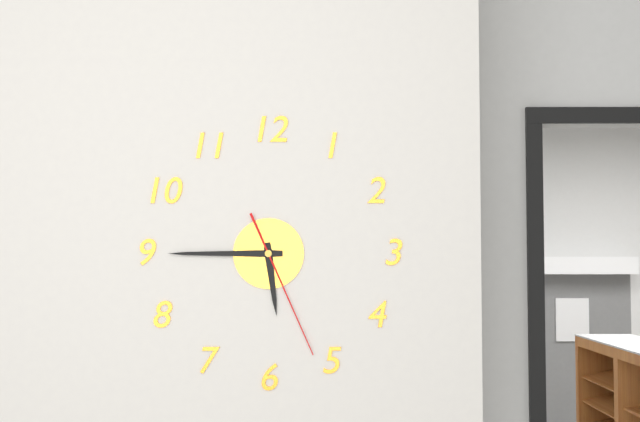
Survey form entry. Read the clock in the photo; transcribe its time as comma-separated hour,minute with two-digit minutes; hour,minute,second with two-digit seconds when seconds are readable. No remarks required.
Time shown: 5,45,26
